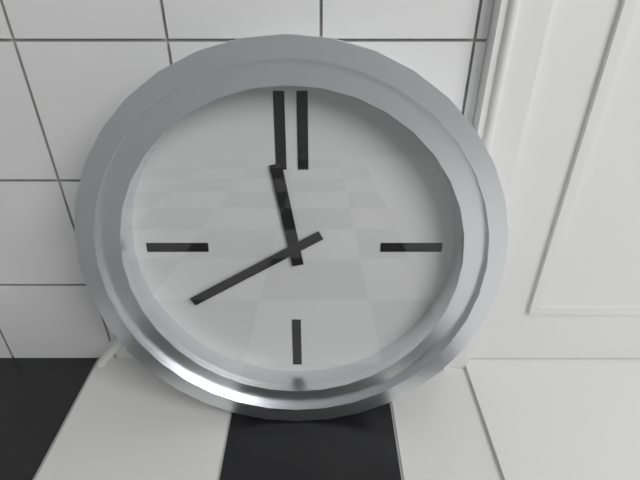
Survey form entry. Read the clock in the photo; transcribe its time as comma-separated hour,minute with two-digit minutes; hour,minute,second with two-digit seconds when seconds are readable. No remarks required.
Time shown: 11,40
